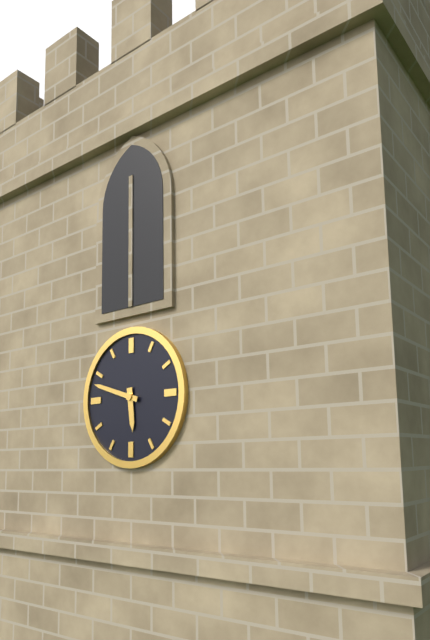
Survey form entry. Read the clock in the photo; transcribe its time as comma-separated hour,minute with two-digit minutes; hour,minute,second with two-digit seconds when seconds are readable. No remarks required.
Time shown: 5,48
